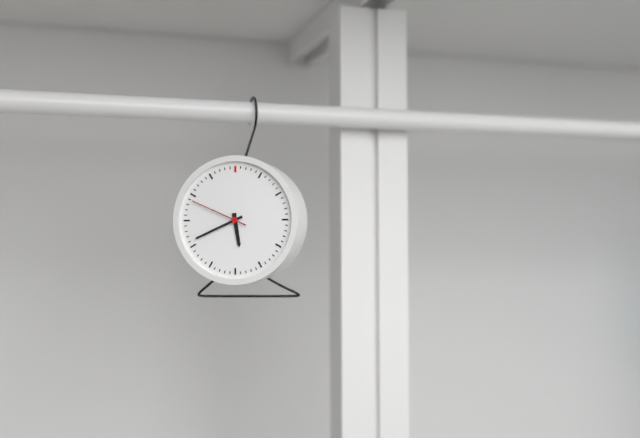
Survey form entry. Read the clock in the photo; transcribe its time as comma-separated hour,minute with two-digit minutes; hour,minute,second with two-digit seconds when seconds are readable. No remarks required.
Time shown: 5,41,49
